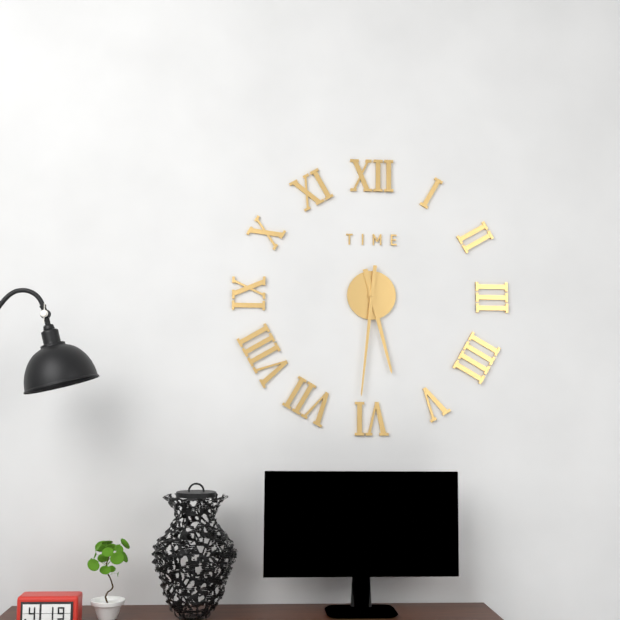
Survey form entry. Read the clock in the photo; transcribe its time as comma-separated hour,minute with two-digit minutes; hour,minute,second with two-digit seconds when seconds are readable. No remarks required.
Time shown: 5,31
